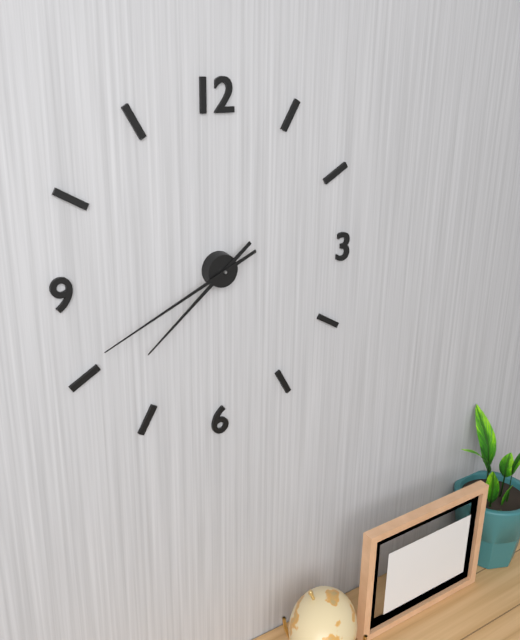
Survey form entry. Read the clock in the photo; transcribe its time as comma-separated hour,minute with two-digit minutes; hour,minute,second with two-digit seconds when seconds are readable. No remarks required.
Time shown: 7,41
